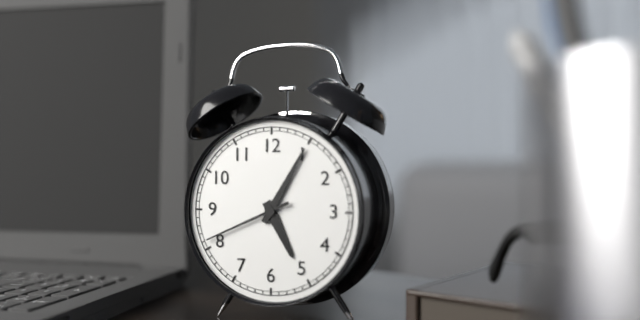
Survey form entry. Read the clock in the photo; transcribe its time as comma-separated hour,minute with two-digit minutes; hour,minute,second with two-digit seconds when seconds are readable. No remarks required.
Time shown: 5,05,41
